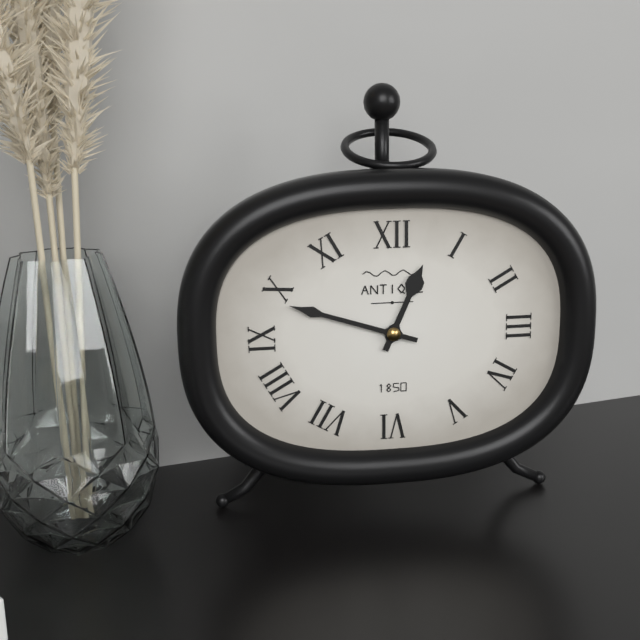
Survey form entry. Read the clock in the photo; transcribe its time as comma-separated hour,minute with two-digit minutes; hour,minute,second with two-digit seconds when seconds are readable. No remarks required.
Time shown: 12,48
